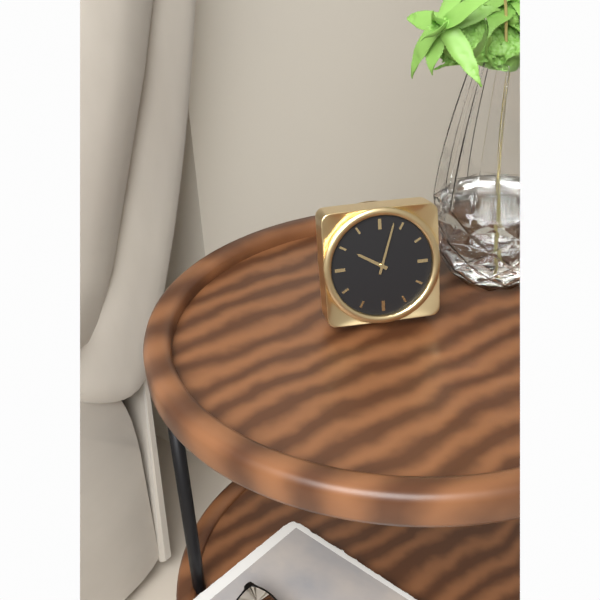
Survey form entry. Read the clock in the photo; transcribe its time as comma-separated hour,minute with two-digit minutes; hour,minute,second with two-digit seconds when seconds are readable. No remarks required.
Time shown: 10,03
